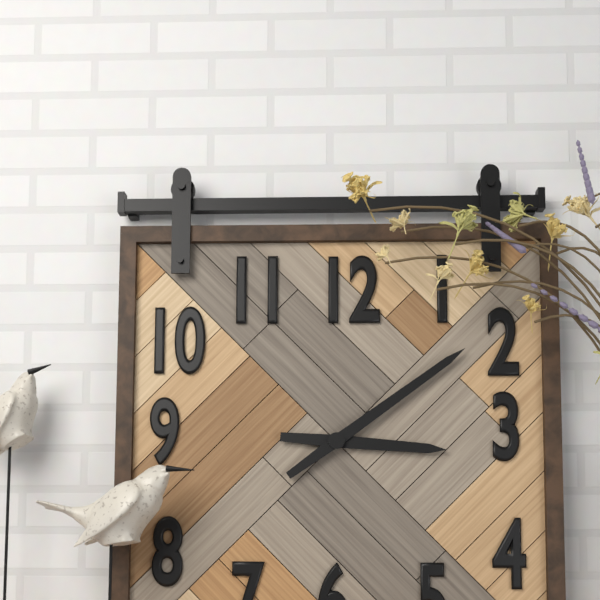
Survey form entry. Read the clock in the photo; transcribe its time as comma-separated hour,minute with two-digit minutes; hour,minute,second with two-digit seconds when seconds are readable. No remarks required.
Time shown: 3,09
